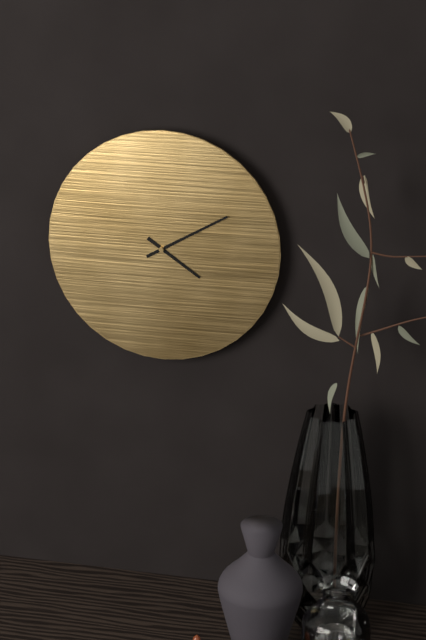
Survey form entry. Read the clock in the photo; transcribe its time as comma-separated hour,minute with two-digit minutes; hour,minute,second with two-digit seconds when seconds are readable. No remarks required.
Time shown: 4,10
